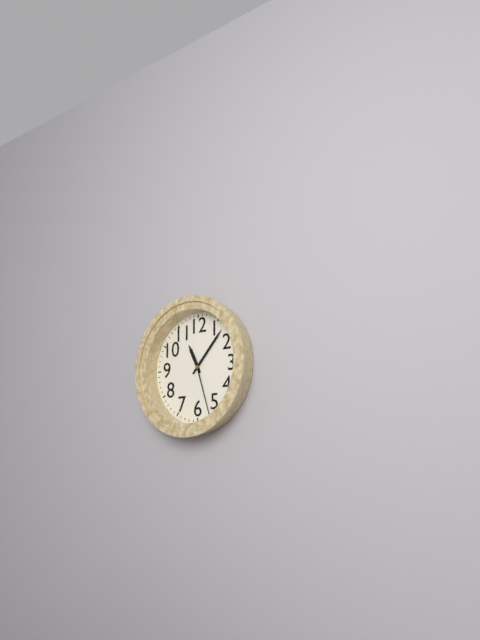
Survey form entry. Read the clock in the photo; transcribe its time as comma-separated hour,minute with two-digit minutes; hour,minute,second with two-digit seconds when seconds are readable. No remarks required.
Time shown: 11,07,27
